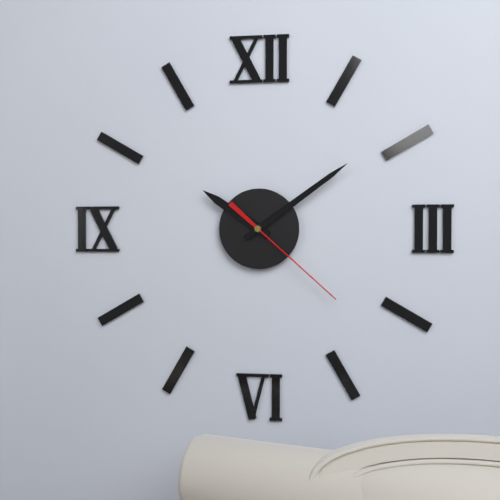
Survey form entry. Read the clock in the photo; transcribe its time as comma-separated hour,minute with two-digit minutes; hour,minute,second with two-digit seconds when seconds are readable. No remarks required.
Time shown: 10,09,22
